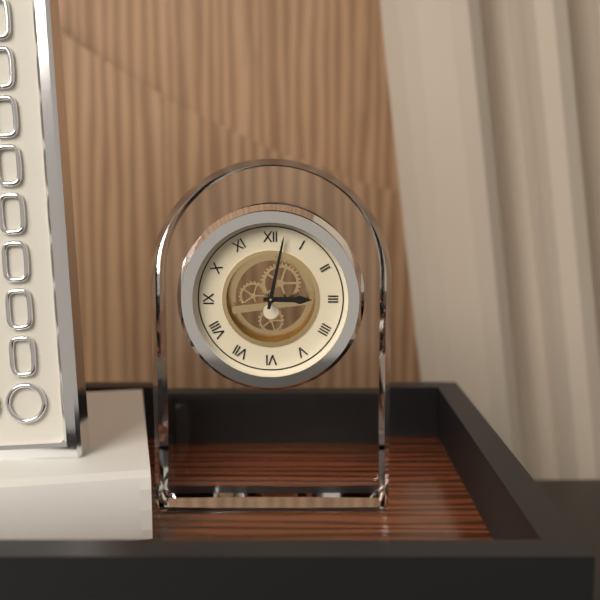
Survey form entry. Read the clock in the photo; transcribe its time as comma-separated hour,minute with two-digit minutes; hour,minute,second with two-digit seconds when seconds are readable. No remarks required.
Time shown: 3,02
